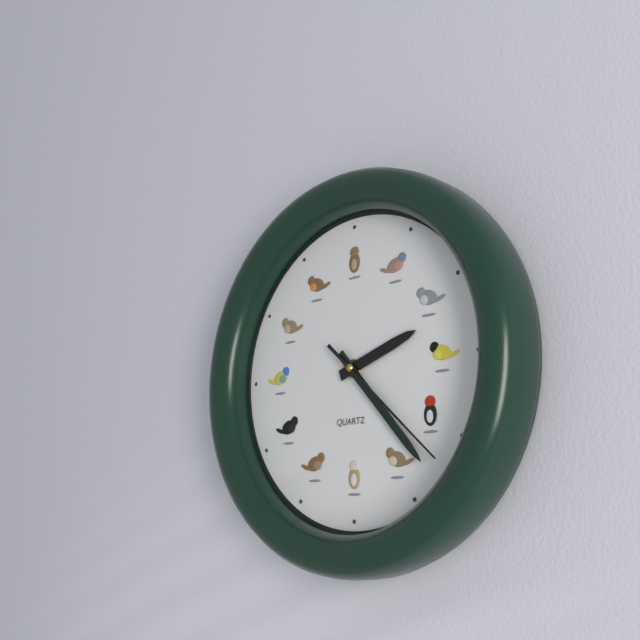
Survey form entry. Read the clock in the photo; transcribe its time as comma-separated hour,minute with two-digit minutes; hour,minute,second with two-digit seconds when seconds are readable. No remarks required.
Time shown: 2,23,22
